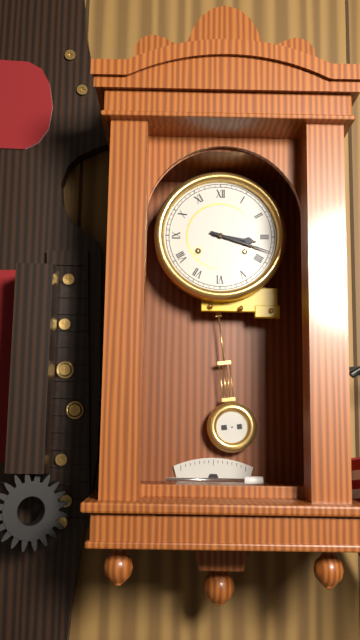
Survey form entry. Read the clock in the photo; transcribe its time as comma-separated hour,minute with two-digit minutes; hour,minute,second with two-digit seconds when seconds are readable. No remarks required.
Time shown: 3,18
